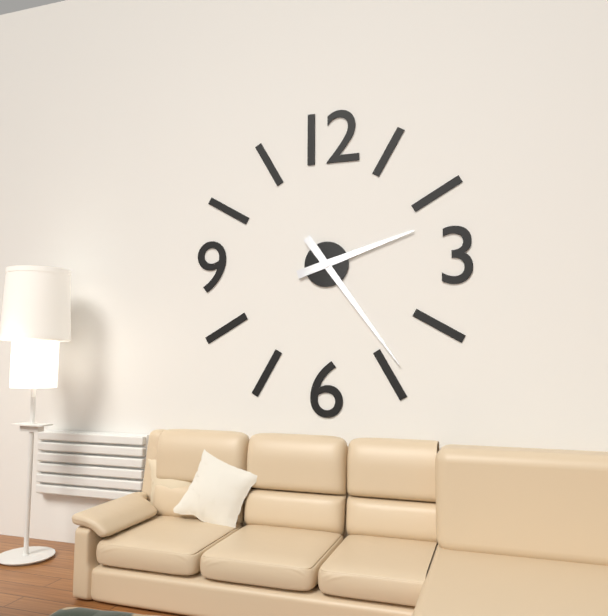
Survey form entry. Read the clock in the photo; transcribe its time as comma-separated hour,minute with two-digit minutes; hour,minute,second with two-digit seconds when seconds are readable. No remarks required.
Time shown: 2,24
